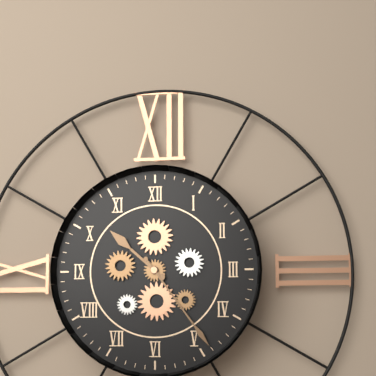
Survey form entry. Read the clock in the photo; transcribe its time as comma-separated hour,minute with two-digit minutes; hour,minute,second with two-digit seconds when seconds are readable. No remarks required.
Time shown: 10,24
